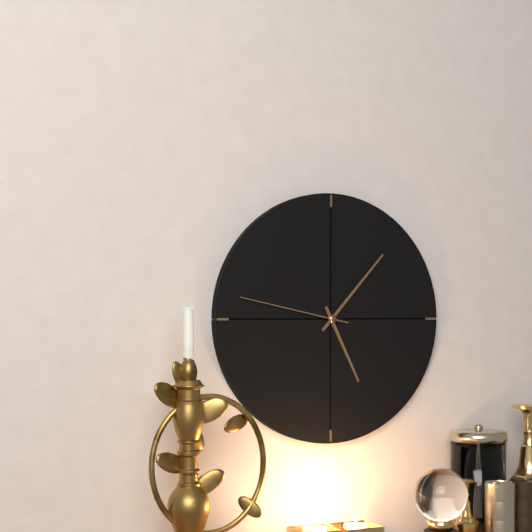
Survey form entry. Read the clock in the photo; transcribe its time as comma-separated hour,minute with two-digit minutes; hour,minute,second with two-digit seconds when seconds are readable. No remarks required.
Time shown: 5,07,47
